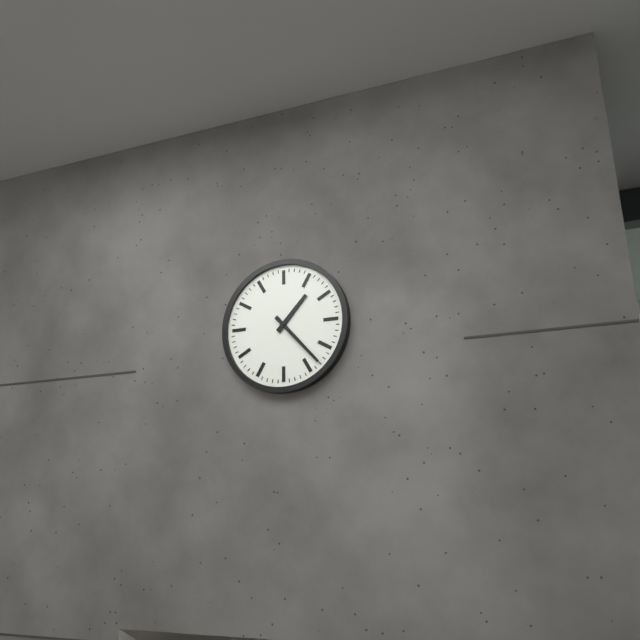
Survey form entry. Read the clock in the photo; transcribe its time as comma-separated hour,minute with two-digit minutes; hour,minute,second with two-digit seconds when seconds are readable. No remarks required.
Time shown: 1,23
